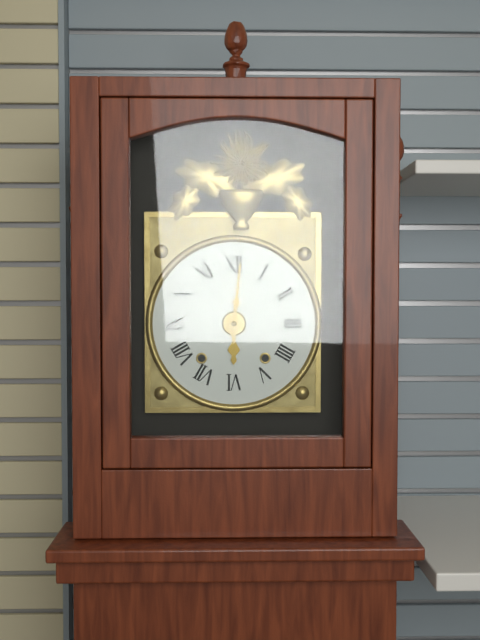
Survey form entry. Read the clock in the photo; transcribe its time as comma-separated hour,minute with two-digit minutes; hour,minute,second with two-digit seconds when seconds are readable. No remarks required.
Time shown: 6,01
